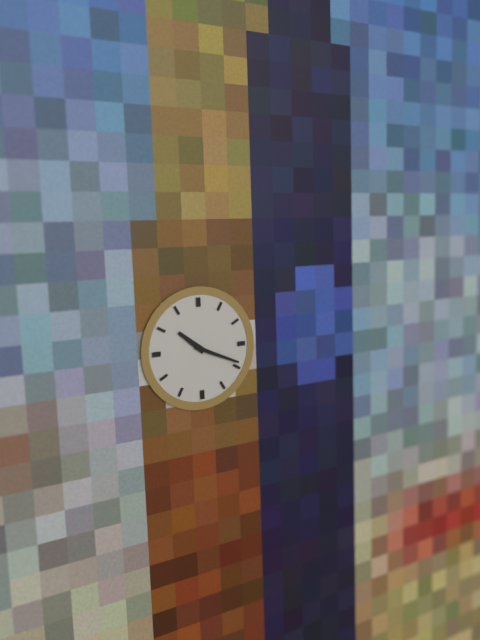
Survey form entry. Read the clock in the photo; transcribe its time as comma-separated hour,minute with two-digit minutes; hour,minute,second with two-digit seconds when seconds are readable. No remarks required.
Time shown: 10,19
